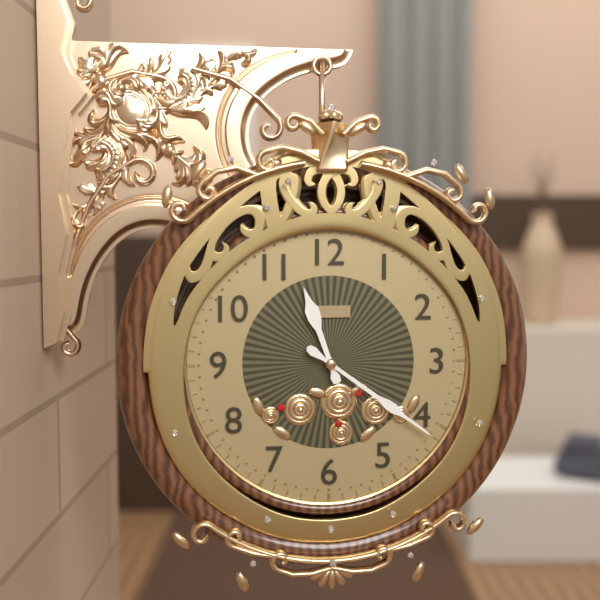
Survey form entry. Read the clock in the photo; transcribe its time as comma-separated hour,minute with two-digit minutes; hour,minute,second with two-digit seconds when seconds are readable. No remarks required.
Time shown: 11,21
